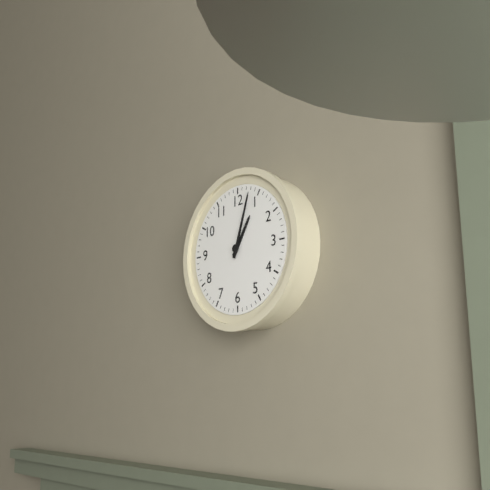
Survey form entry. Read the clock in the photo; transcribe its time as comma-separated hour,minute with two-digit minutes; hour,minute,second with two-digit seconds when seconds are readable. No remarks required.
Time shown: 1,03
